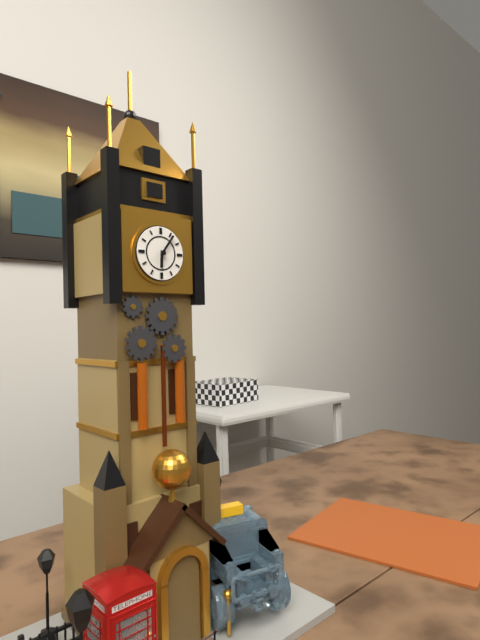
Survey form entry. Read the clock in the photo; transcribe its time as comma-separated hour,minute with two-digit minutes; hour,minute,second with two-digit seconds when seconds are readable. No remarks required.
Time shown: 6,06
